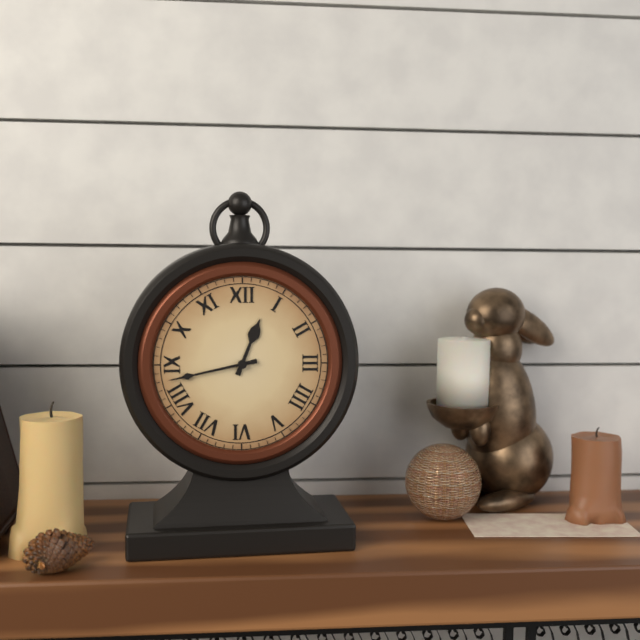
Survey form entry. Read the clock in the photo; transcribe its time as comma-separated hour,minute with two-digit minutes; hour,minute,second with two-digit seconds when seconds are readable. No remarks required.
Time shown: 12,43
